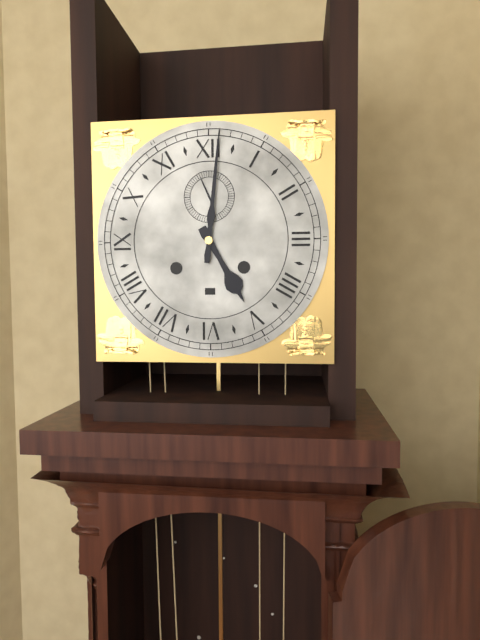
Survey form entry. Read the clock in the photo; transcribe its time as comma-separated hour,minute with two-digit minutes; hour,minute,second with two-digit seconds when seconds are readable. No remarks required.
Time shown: 5,01
